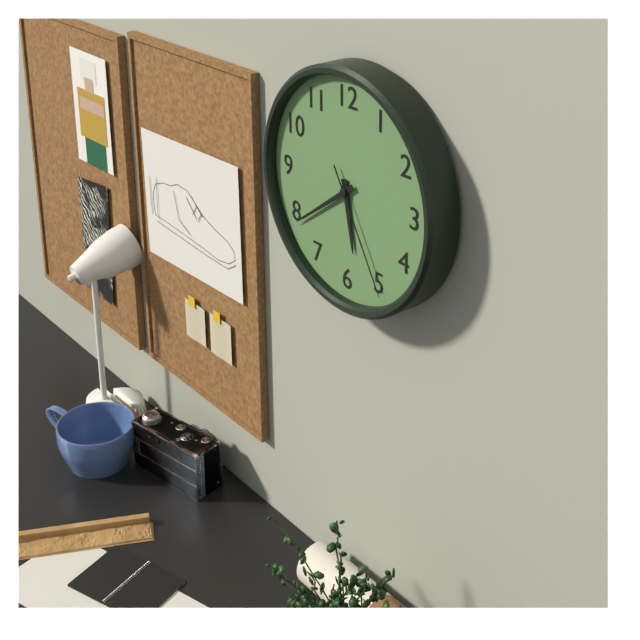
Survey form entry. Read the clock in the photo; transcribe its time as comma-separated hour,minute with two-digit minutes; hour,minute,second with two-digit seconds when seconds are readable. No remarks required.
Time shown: 5,39,25
